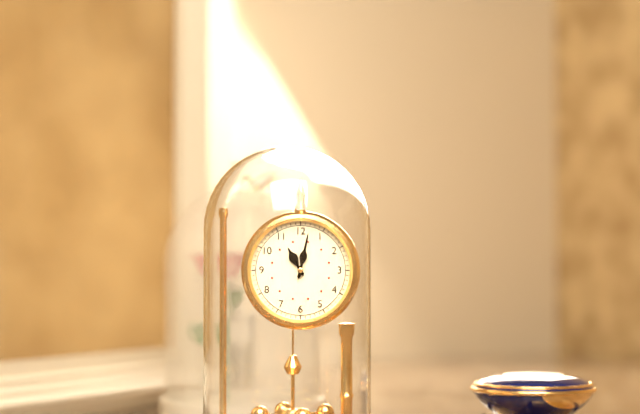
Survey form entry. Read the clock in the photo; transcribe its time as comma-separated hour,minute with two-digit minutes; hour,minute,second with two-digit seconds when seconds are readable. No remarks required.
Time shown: 11,02
